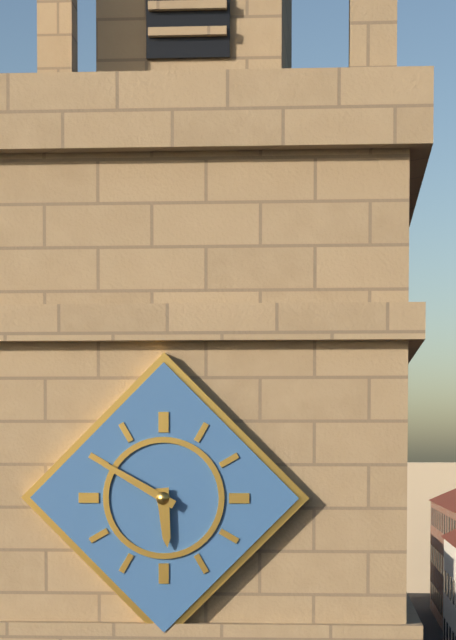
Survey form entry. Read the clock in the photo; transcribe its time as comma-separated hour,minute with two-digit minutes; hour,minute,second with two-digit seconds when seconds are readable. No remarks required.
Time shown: 5,50
